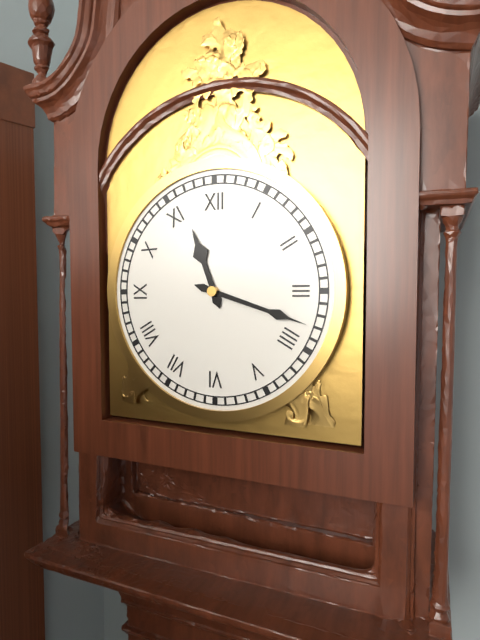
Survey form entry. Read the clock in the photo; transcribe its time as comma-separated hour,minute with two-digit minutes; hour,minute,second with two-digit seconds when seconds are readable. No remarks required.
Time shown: 11,18
